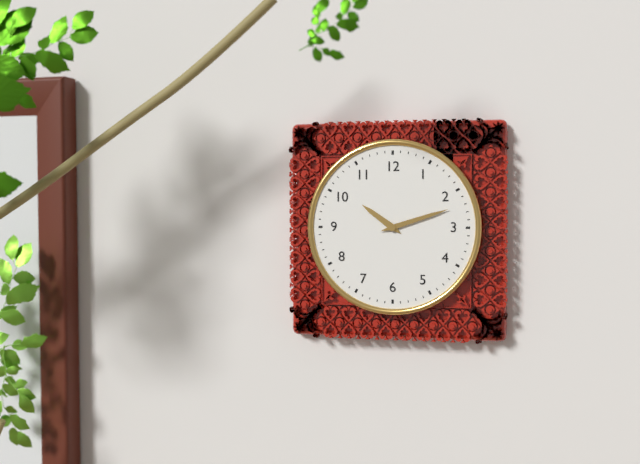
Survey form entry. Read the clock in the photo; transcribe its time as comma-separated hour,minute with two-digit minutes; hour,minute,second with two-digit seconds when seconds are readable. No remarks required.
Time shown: 10,12
